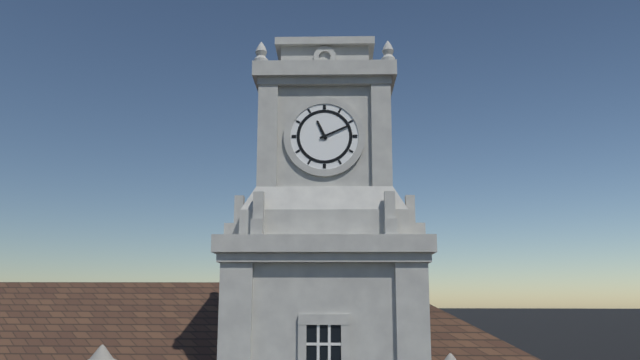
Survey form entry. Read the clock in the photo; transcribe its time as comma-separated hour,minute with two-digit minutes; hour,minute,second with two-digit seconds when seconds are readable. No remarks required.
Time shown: 11,11
